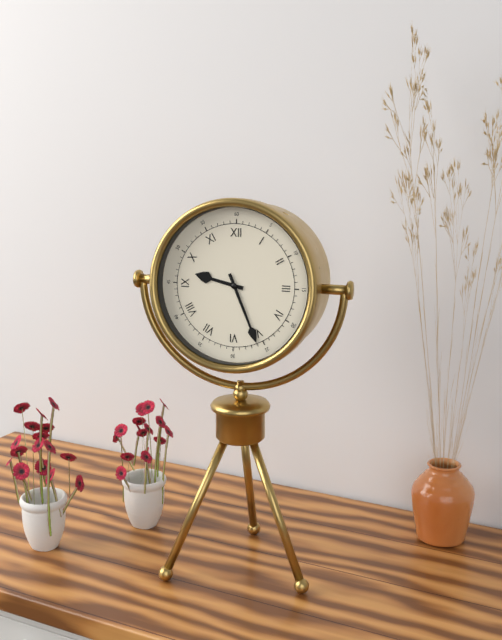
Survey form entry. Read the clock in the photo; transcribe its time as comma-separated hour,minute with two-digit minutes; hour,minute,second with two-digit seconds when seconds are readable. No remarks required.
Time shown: 9,26
